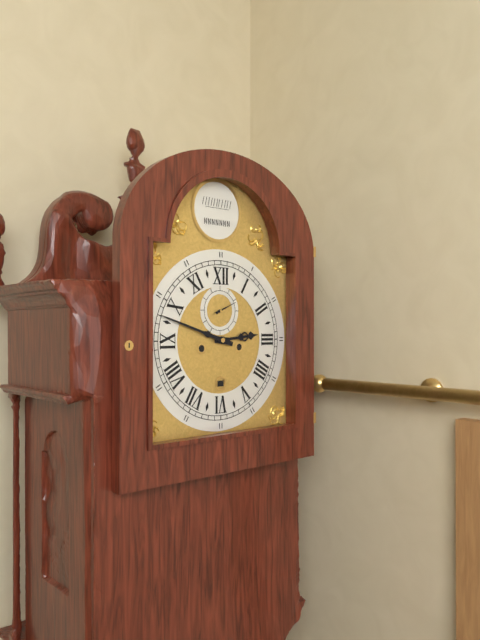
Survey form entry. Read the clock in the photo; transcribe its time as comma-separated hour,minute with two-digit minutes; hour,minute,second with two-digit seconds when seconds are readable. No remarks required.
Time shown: 2,48
